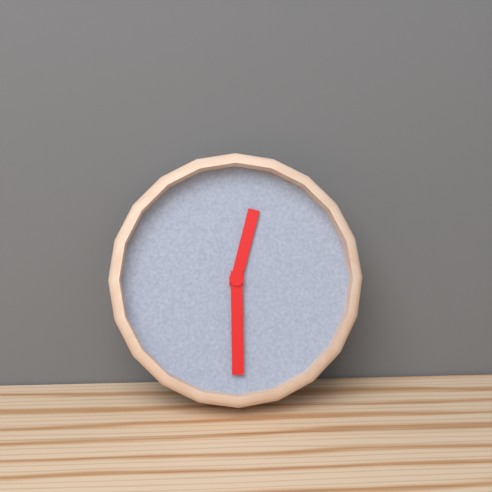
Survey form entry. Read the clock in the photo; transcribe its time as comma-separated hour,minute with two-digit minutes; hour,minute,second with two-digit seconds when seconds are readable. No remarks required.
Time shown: 12,30
